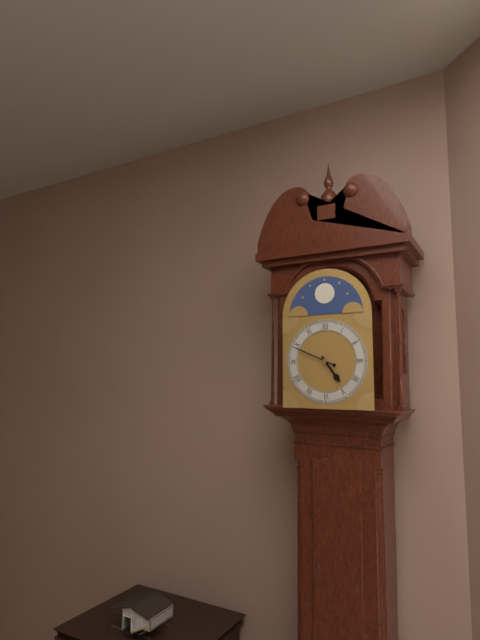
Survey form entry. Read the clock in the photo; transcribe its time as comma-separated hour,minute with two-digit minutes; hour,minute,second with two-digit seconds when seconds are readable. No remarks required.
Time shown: 4,49
